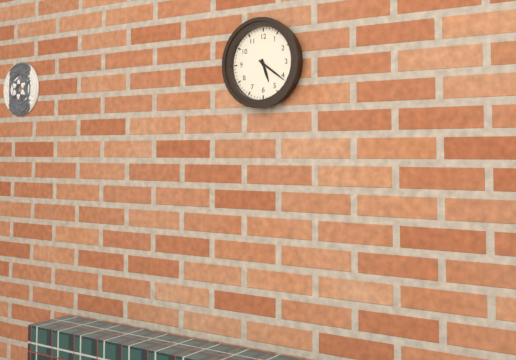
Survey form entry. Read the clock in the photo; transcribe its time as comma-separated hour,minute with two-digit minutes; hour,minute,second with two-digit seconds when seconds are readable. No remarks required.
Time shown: 5,21
